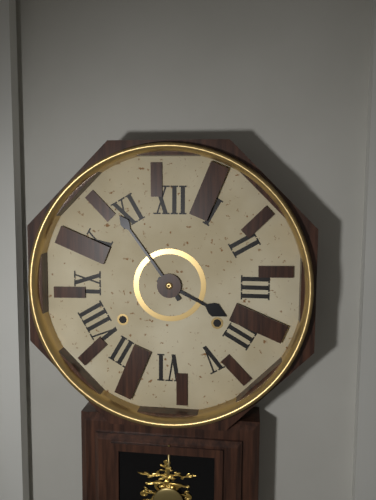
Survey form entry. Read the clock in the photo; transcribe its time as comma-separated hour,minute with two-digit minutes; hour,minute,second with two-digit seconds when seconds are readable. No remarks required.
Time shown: 3,54
